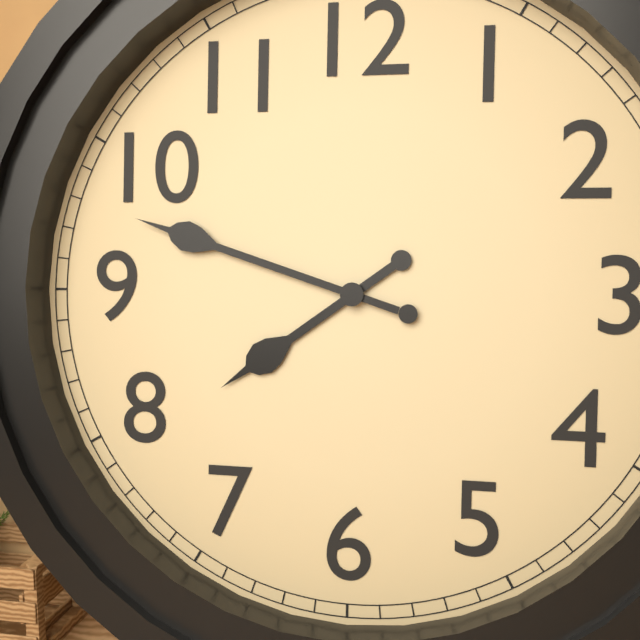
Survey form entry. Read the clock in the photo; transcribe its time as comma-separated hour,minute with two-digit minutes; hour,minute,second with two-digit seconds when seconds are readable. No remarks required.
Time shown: 7,48
